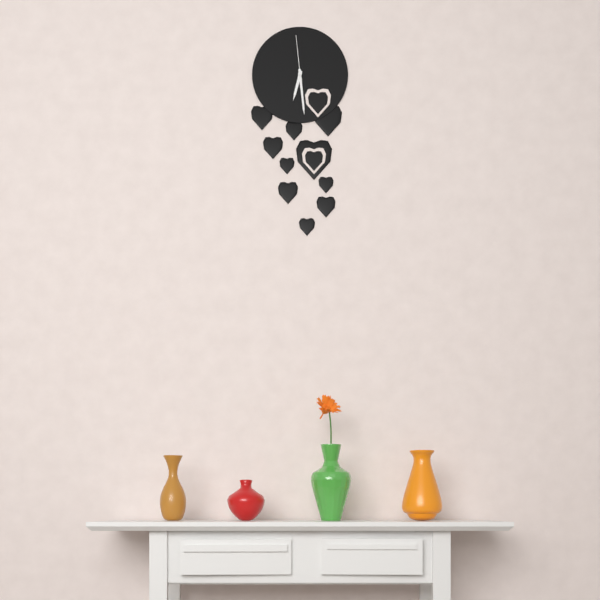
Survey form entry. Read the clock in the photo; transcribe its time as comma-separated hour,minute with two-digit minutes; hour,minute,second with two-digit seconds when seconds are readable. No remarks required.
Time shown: 6,29
